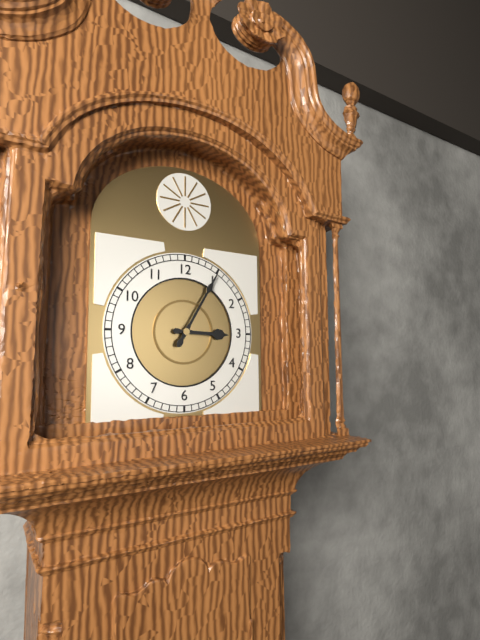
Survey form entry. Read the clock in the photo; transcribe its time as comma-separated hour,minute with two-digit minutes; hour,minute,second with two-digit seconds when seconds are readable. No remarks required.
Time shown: 3,05
